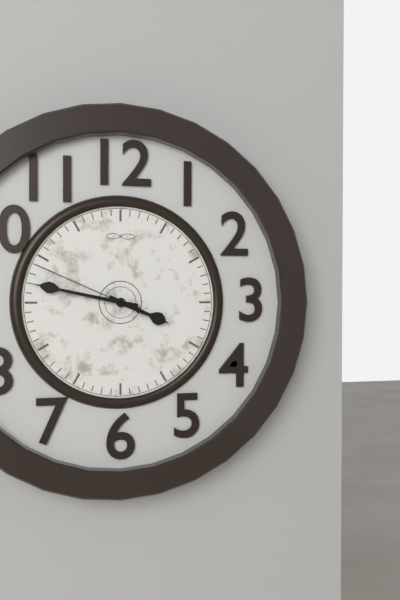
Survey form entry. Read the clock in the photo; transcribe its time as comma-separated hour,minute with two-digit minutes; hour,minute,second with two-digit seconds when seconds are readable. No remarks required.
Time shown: 3,47,49
